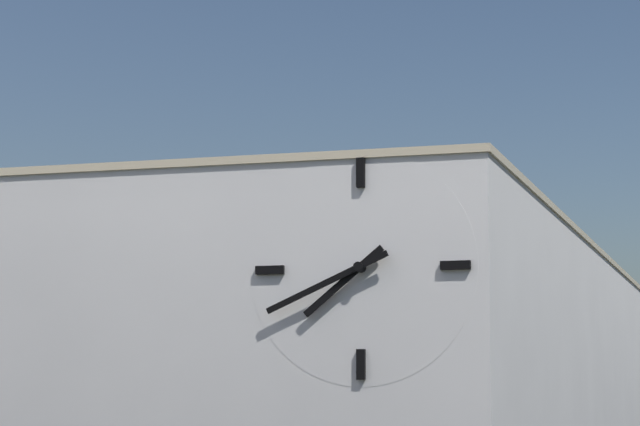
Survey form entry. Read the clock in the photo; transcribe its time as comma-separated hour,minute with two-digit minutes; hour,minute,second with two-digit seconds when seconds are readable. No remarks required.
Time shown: 7,41
